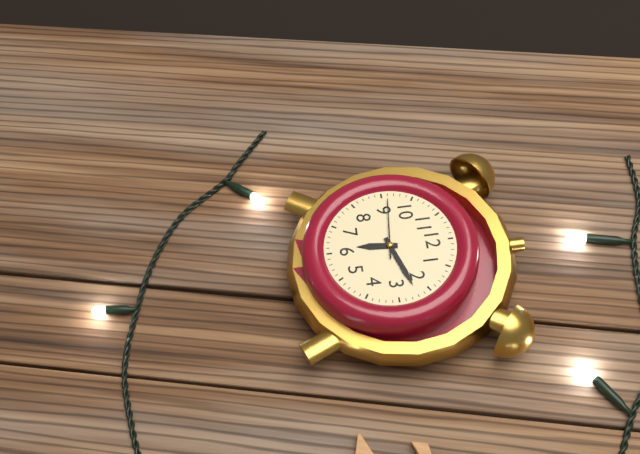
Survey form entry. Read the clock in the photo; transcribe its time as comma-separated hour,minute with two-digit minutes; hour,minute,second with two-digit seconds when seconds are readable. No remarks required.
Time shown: 6,12,46
